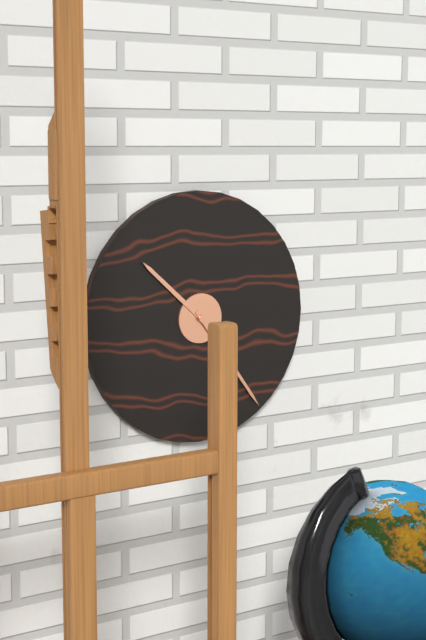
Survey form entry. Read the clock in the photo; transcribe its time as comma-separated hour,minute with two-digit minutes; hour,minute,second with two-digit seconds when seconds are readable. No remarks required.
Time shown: 10,24
